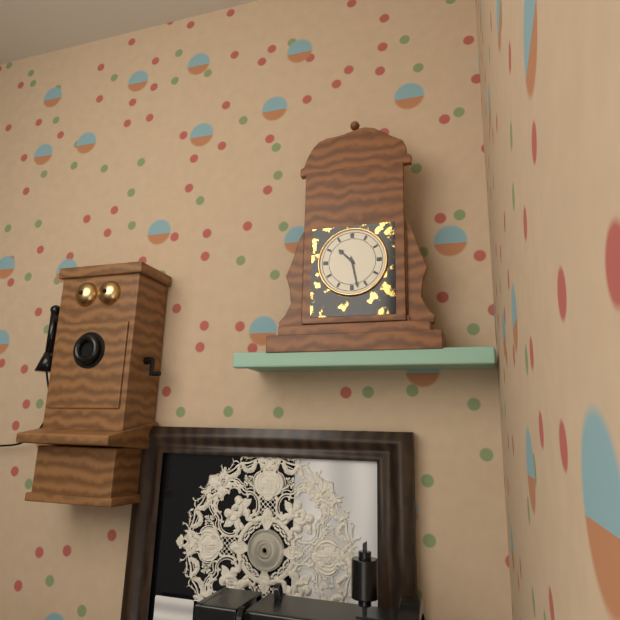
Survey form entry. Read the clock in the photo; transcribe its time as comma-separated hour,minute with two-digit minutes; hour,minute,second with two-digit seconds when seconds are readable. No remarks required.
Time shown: 10,28
